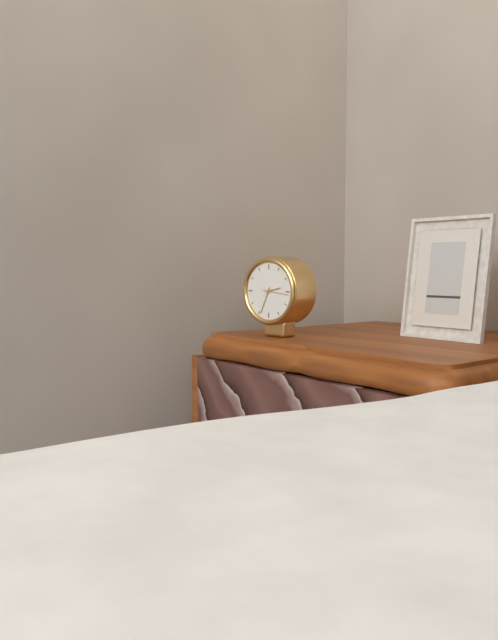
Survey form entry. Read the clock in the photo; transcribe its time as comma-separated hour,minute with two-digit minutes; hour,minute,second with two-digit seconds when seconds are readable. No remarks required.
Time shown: 2,34
